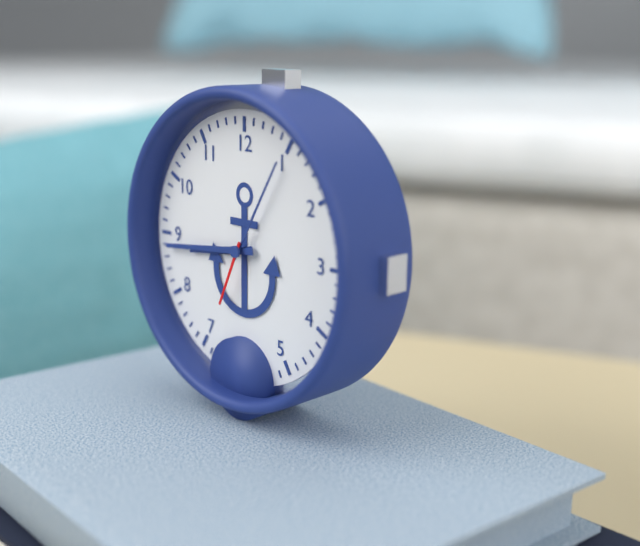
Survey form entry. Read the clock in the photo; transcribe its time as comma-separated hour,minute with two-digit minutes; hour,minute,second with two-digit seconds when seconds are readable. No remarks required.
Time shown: 8,44,34
